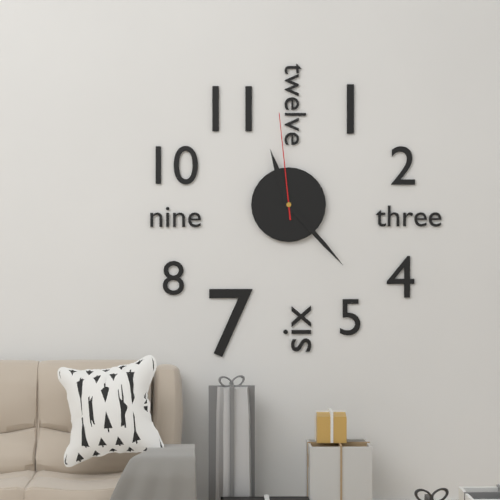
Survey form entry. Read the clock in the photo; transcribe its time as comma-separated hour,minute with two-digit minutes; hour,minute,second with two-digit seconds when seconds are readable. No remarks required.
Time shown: 11,23,59
